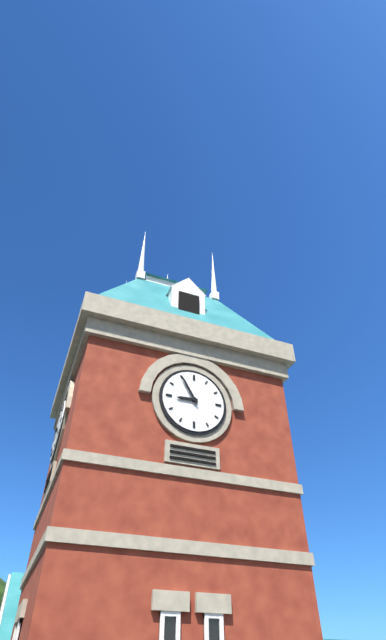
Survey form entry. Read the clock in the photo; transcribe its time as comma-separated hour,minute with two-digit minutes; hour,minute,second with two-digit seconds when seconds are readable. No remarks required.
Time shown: 8,55
